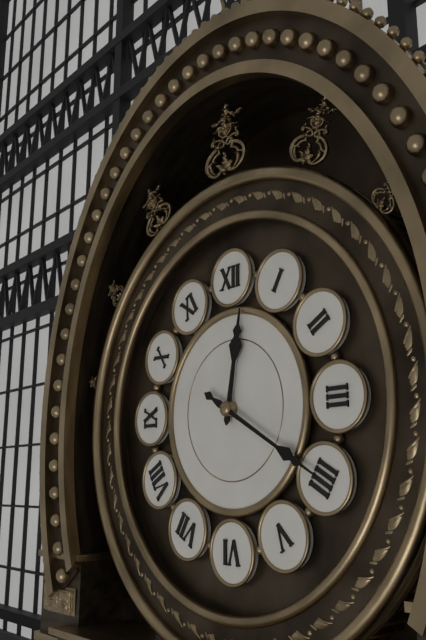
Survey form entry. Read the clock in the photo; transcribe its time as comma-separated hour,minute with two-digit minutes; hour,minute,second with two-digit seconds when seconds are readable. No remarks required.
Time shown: 12,20
